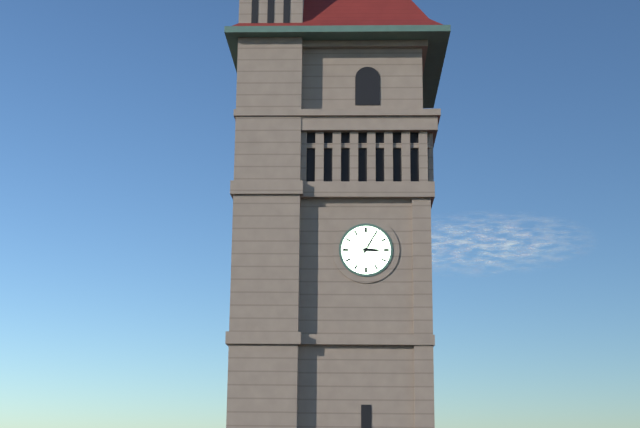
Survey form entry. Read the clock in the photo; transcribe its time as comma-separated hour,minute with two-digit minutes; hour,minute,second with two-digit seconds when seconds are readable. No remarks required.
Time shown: 3,05
